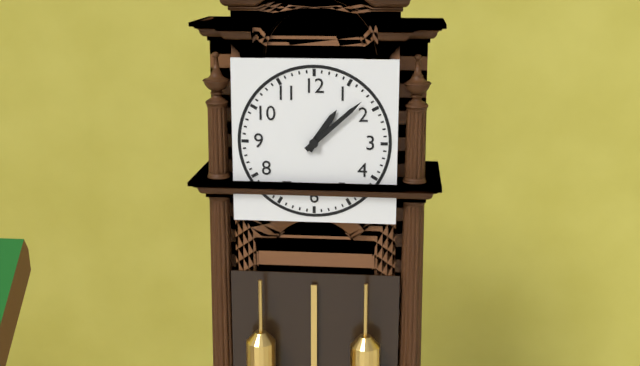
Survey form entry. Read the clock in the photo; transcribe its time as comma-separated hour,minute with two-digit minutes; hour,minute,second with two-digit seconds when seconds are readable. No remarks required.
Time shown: 1,08
